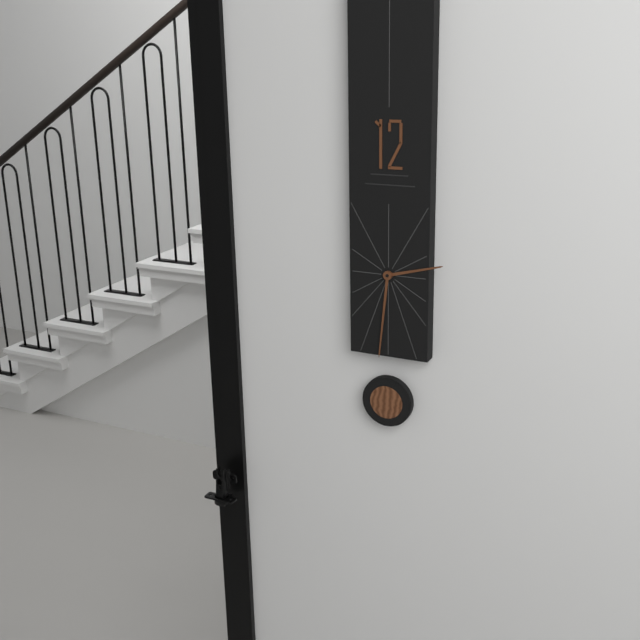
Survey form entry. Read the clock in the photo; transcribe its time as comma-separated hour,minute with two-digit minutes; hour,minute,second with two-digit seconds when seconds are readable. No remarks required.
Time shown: 2,31
